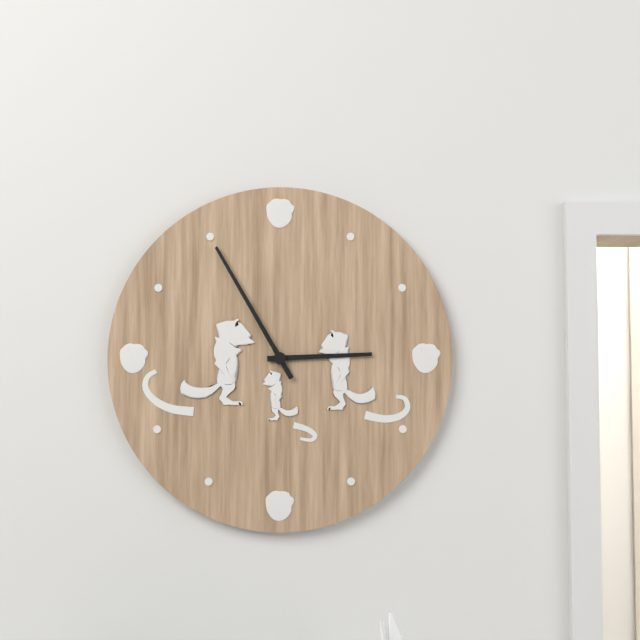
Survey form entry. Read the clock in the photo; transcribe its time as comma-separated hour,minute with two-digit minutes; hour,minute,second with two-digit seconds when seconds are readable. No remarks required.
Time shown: 2,55
